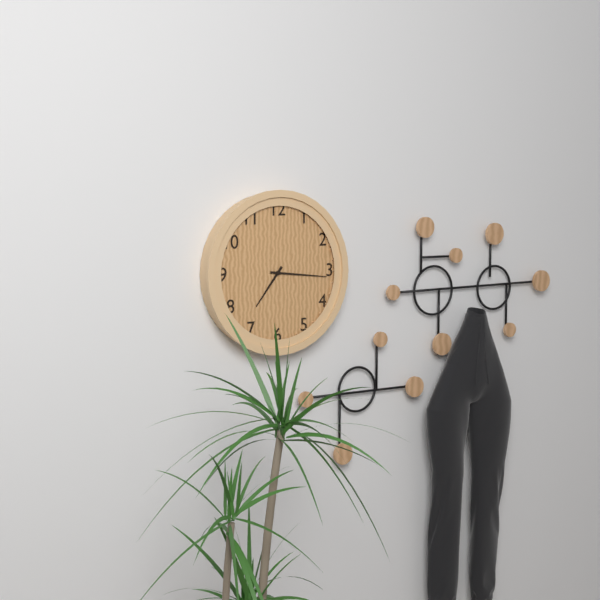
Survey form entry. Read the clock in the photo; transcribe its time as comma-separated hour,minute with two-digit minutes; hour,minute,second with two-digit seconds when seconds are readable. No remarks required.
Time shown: 7,16
